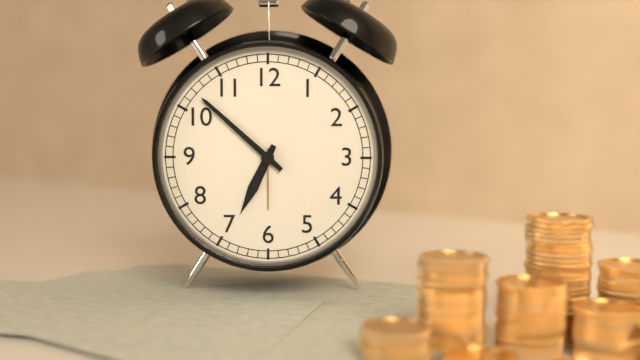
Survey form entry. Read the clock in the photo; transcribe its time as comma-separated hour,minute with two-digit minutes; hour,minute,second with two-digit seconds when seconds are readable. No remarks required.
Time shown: 6,52
